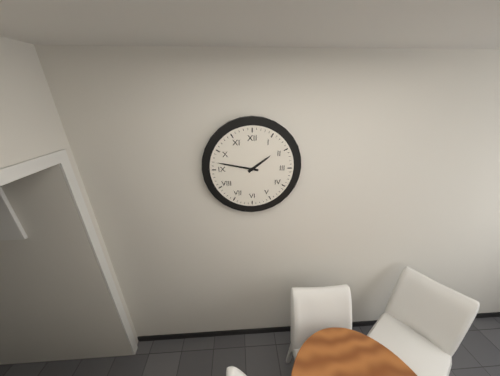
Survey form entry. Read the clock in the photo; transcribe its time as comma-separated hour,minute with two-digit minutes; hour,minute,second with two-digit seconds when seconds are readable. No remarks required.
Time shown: 1,47
